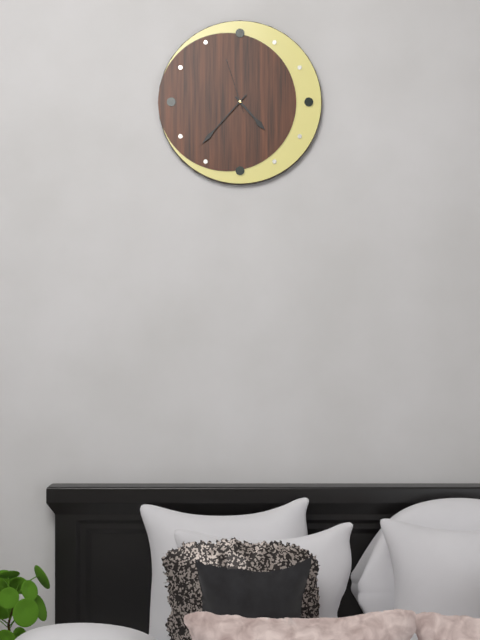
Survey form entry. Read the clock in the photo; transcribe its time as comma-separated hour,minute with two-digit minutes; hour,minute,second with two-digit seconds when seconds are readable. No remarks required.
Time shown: 4,37,57
